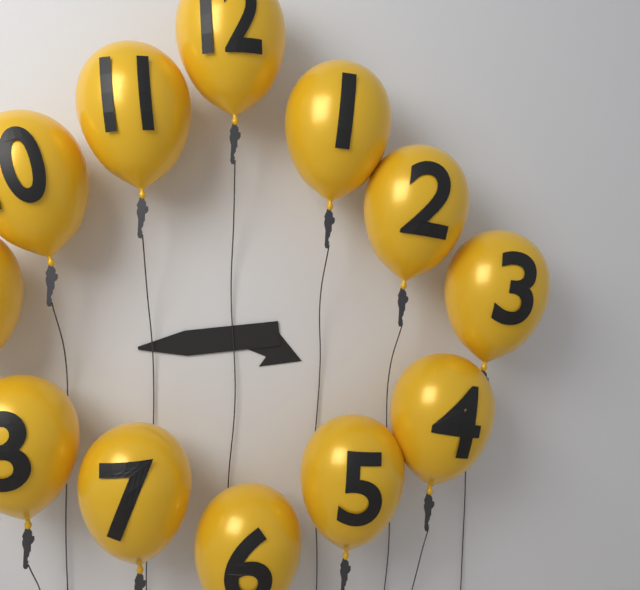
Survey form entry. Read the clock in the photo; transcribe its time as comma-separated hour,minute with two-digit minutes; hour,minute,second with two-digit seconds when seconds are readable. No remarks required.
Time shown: 3,44
